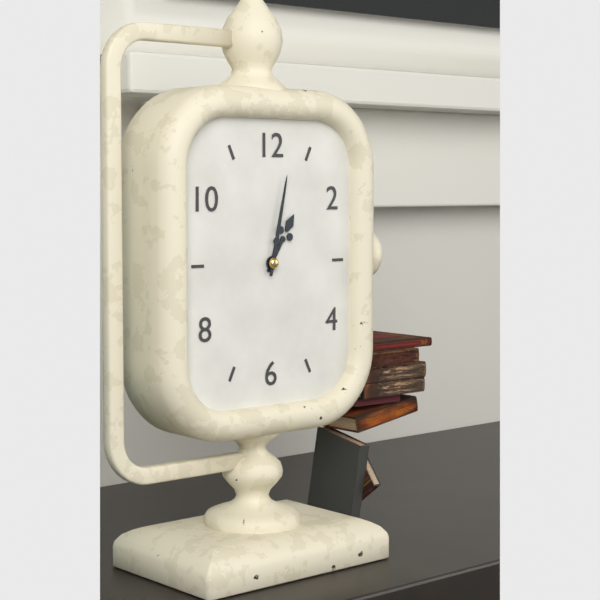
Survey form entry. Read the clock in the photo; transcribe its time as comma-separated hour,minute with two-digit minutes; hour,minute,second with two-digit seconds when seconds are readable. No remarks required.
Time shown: 1,02
